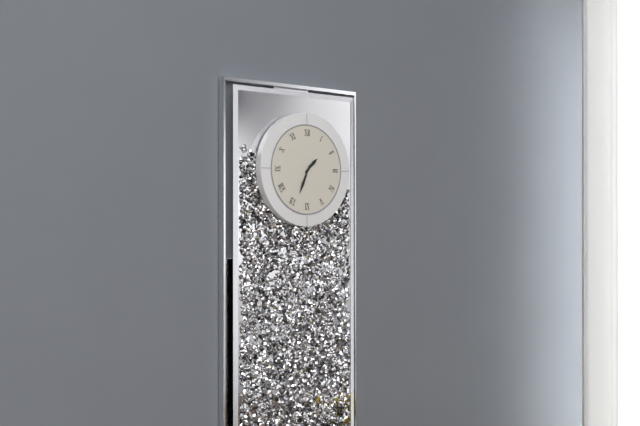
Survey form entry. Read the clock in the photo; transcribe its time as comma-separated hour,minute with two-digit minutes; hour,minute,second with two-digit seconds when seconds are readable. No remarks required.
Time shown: 1,34
